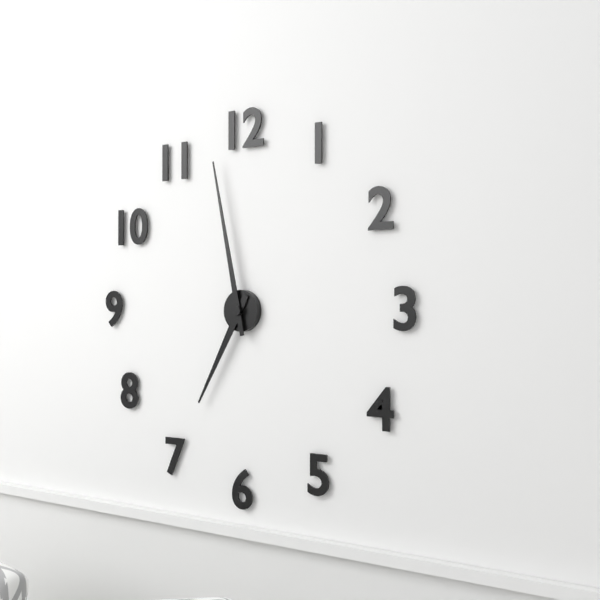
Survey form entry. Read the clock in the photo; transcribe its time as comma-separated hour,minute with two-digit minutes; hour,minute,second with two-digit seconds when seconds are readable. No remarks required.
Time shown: 6,58
